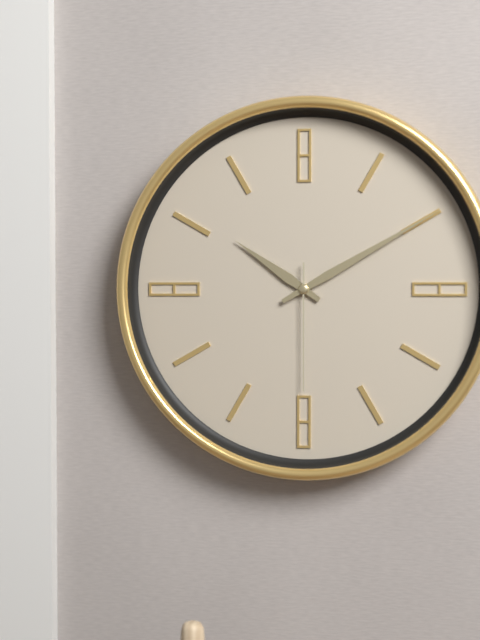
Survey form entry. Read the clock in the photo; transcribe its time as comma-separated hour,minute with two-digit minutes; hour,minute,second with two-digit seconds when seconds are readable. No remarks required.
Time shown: 10,10,30
